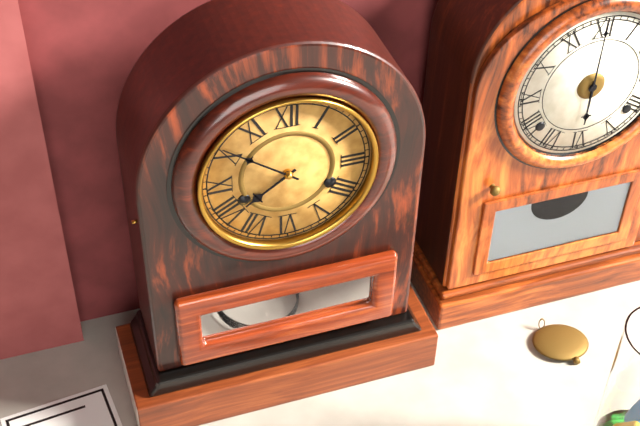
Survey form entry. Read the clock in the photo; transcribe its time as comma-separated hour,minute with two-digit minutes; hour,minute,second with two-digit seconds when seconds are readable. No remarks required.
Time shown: 7,51
